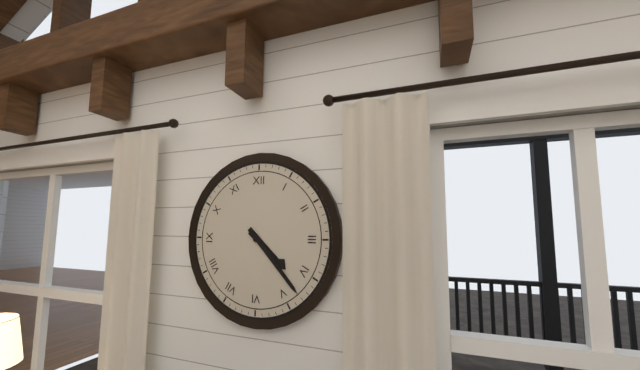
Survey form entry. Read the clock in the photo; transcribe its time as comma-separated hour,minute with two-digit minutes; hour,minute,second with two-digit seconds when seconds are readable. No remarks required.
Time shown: 4,23
